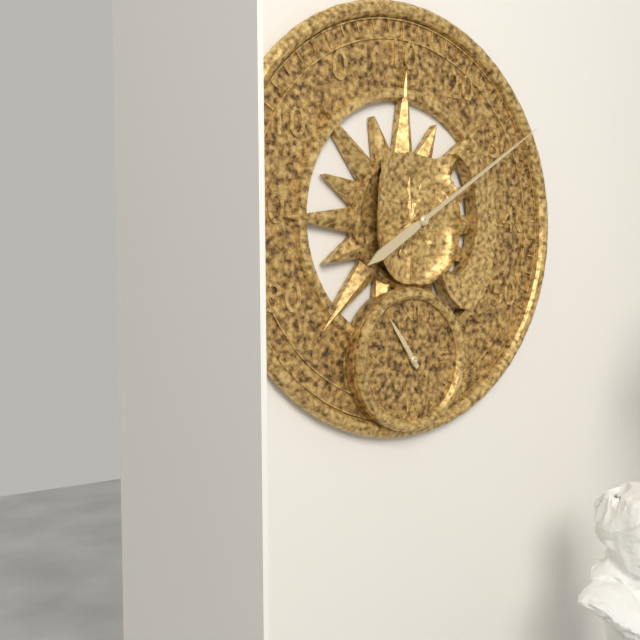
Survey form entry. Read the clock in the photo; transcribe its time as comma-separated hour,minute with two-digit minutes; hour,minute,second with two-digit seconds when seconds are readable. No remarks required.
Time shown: 10,54
